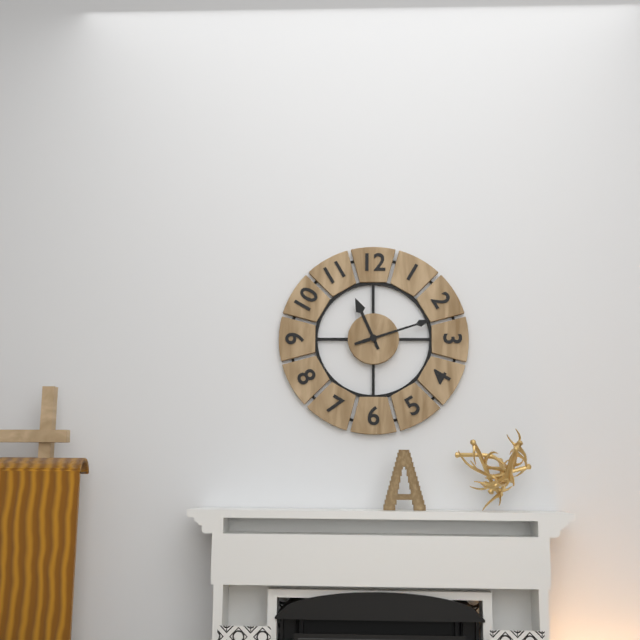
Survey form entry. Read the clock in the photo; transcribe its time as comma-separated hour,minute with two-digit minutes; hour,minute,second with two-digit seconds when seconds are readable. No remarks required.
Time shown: 11,12
